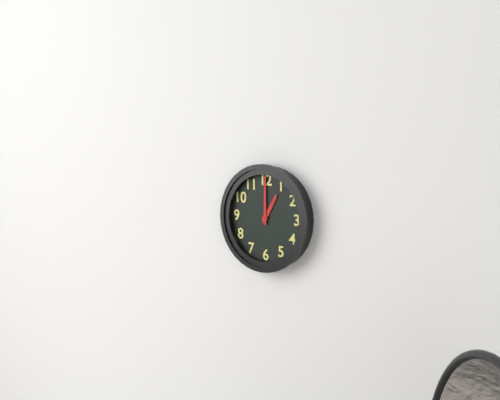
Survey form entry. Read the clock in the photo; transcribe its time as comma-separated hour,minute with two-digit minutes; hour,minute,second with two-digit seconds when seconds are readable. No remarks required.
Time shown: 1,00
